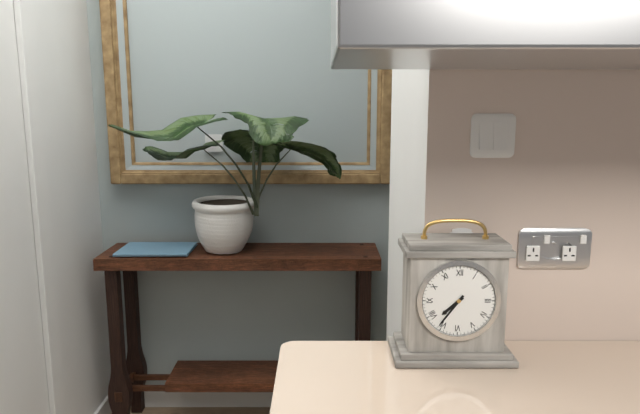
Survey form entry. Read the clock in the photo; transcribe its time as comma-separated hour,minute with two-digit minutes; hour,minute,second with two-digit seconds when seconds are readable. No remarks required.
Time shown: 7,36
